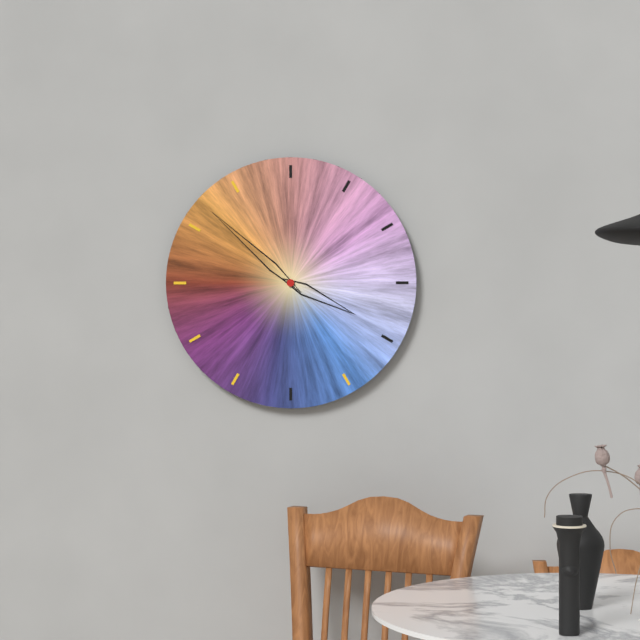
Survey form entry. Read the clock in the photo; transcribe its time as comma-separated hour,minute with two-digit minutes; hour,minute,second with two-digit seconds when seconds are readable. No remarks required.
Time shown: 3,52
